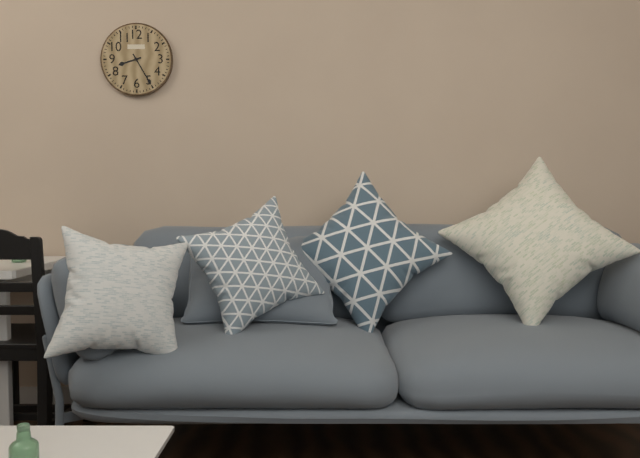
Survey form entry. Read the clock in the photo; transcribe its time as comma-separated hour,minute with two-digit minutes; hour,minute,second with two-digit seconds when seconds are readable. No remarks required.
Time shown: 8,25
